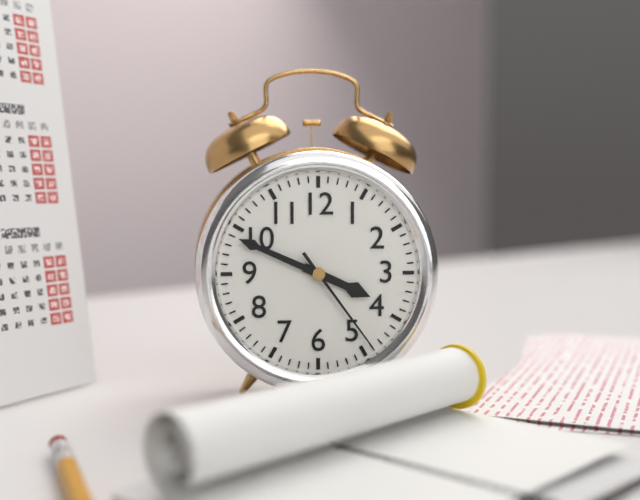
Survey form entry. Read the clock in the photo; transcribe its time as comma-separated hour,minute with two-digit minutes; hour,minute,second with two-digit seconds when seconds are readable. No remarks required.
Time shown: 3,49,24
